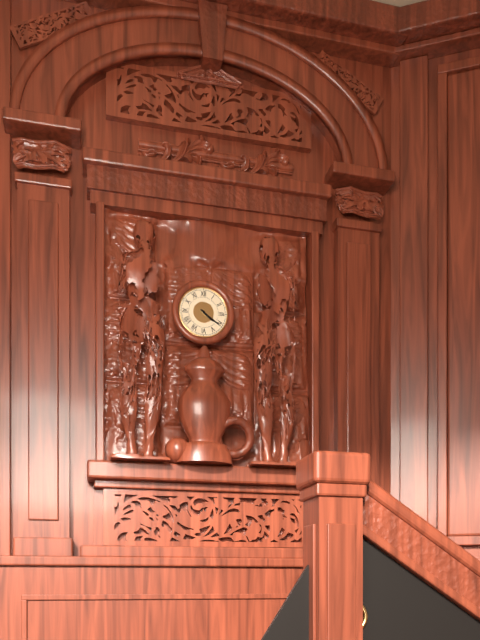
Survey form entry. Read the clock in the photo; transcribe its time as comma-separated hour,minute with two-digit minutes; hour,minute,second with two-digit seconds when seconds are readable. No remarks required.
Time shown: 4,21
